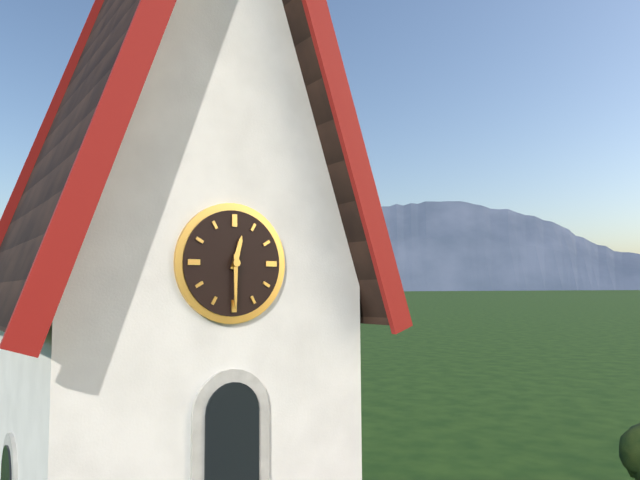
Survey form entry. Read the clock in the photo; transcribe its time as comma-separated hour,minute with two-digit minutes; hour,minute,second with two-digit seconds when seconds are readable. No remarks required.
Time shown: 12,30
